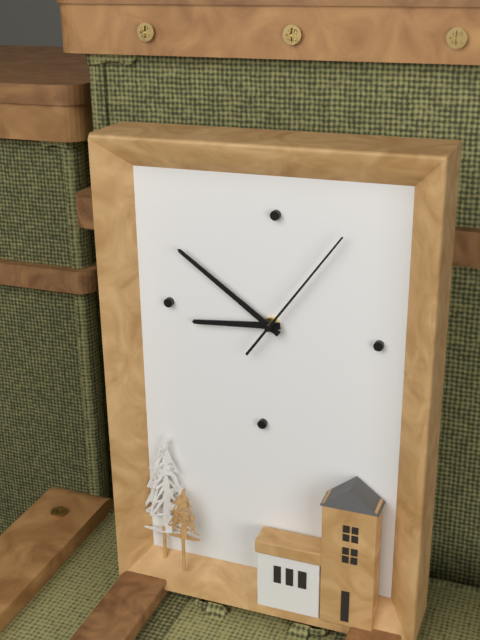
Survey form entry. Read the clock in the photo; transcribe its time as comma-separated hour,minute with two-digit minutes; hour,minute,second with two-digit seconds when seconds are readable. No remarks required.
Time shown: 8,51,06
